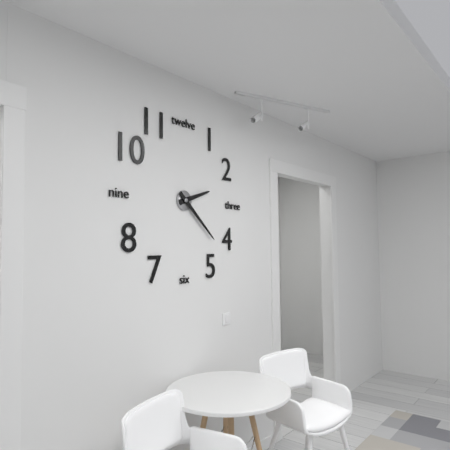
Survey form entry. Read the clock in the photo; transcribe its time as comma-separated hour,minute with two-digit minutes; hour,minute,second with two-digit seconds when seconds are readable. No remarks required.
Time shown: 2,22
